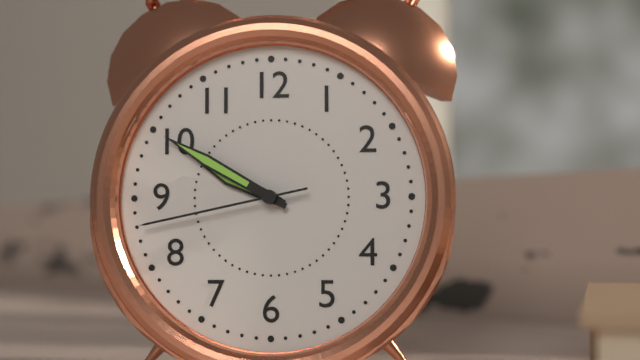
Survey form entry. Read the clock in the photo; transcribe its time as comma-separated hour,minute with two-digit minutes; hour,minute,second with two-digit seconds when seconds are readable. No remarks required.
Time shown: 9,50,43
